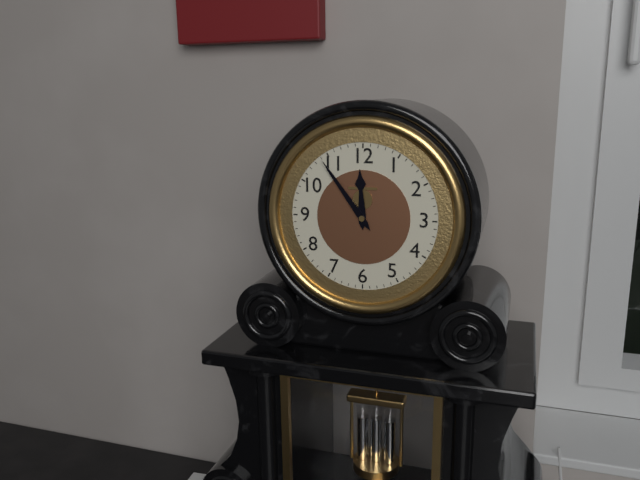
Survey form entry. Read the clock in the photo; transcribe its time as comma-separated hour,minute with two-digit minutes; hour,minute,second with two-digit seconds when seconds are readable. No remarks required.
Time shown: 11,54
